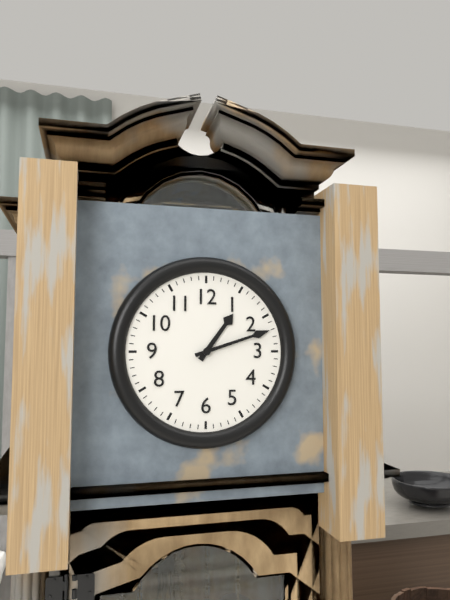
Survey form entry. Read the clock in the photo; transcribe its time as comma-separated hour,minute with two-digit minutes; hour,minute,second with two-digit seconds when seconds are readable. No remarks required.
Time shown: 1,12
